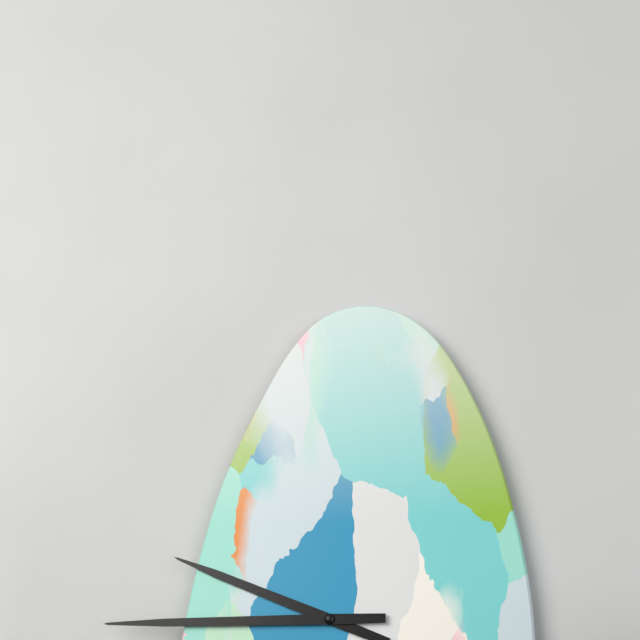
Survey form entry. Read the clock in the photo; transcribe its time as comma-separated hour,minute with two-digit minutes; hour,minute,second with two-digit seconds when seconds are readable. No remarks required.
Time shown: 9,45
